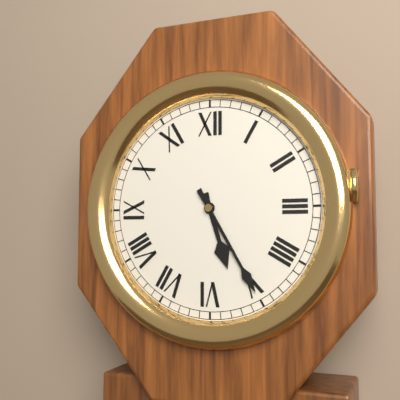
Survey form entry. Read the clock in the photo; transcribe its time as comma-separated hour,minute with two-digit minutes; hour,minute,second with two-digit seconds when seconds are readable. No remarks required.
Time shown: 5,25
